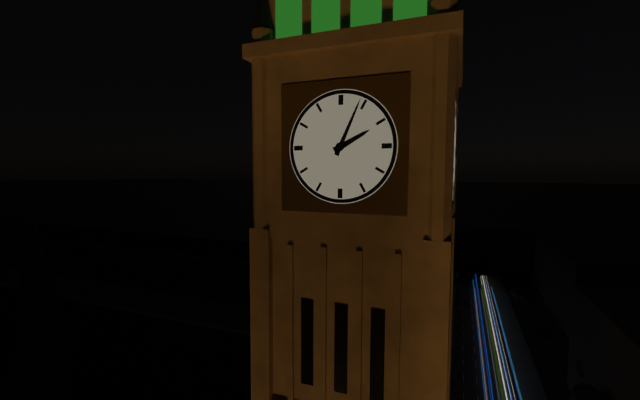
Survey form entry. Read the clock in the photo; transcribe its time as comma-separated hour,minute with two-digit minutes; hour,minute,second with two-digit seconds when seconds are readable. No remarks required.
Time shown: 2,04
